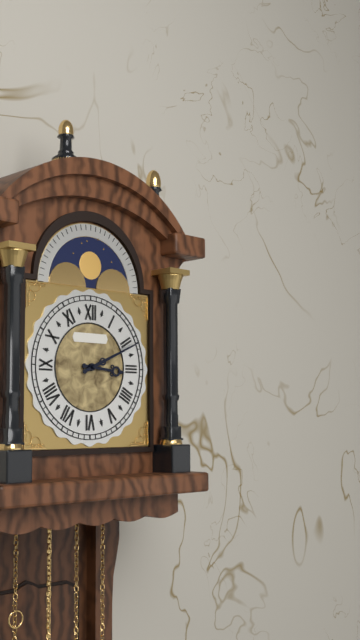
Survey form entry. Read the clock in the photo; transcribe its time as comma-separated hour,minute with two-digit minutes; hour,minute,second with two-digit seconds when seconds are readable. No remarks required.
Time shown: 3,11
